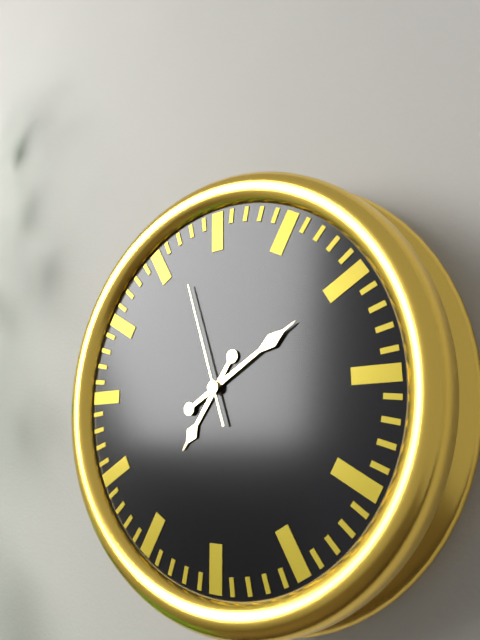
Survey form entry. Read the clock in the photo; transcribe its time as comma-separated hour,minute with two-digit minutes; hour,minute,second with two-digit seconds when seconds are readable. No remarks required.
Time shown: 7,10,57
